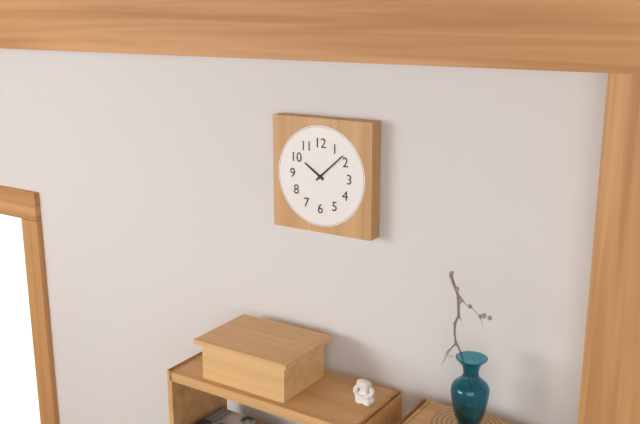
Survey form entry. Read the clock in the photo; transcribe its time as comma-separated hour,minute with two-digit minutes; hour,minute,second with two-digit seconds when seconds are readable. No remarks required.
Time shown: 10,08
